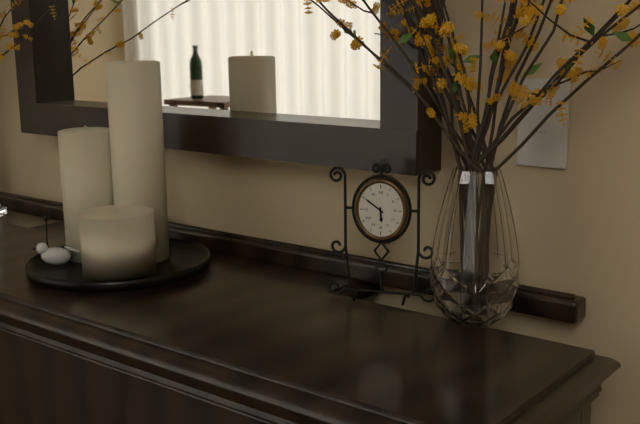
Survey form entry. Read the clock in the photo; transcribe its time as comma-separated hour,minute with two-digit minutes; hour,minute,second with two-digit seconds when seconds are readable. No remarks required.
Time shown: 5,51
